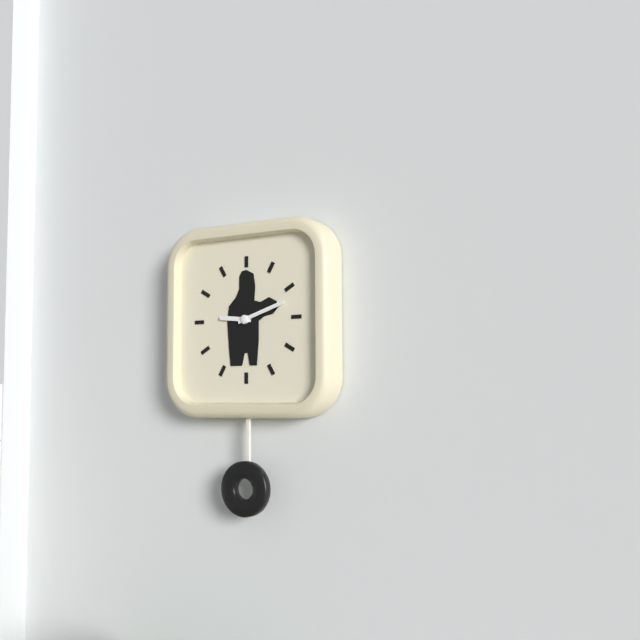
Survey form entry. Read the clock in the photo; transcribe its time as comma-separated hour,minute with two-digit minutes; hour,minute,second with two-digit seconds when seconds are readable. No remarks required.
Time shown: 9,12
